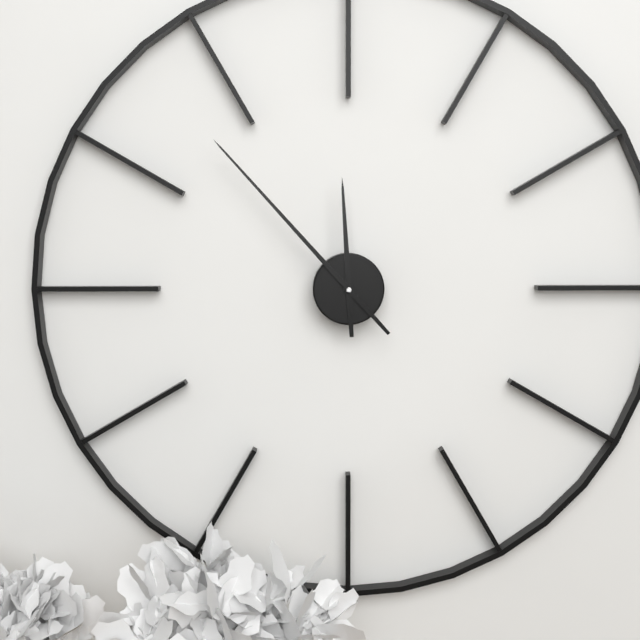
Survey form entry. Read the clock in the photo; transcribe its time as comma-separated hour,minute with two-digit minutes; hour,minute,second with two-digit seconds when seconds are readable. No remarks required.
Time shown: 11,53
